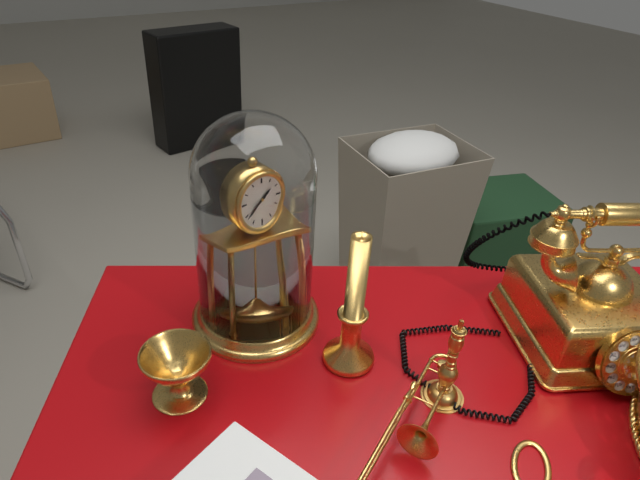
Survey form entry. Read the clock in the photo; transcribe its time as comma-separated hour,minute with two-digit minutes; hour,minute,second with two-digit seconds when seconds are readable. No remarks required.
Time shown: 1,39
